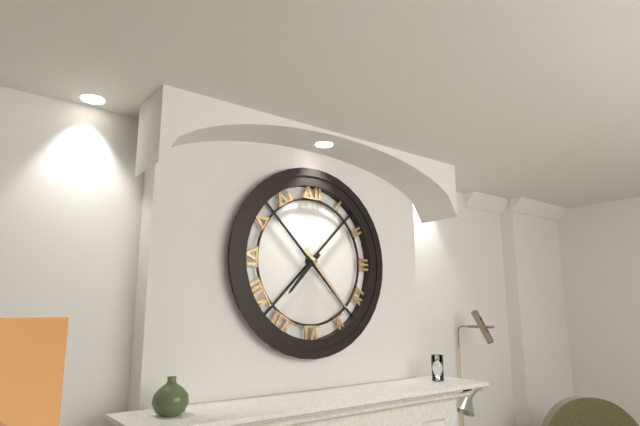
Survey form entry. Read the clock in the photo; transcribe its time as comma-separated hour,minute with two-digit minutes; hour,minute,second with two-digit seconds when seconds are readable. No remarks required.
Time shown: 7,23
